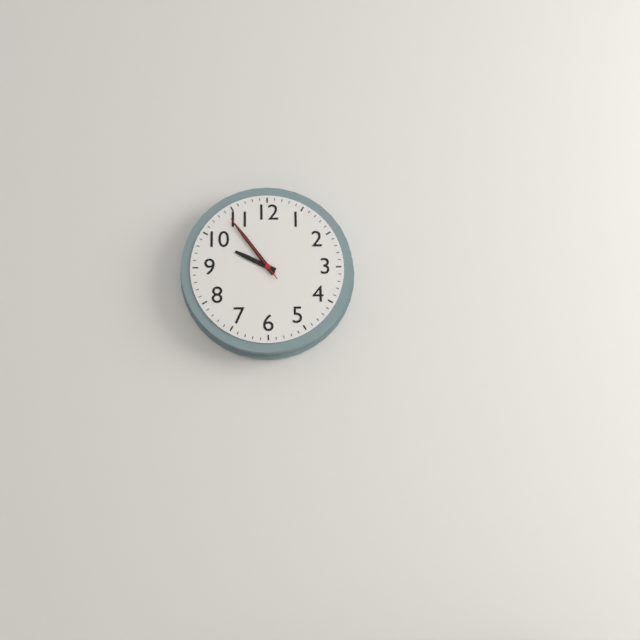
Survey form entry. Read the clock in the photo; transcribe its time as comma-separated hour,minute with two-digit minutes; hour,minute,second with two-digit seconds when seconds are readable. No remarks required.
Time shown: 9,54,54
